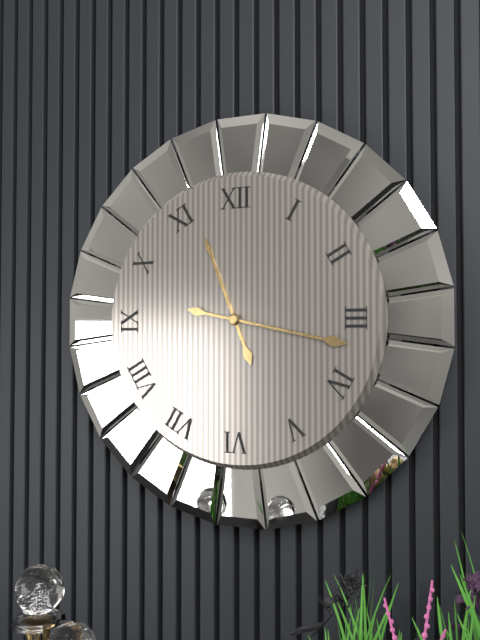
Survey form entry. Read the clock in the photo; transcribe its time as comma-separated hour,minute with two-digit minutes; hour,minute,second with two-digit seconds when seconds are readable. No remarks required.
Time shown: 11,17
